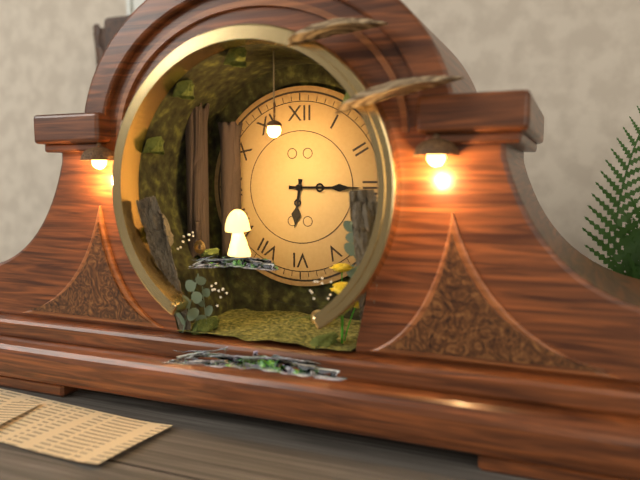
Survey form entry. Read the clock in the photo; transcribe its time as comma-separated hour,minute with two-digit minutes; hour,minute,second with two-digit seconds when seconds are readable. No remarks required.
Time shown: 6,15
